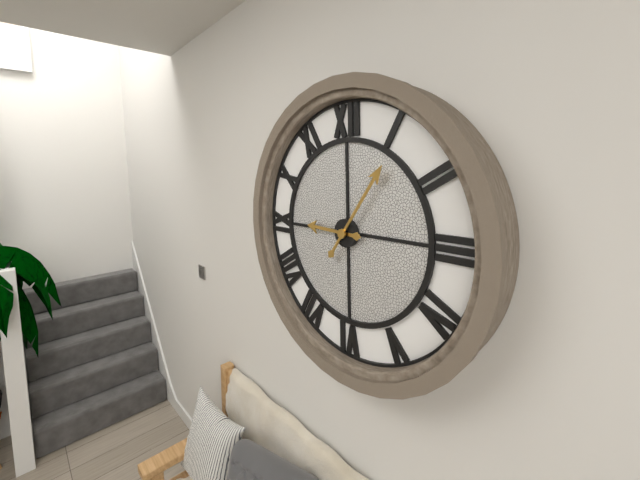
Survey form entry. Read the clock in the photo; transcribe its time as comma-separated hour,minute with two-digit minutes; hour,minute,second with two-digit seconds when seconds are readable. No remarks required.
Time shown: 9,06
